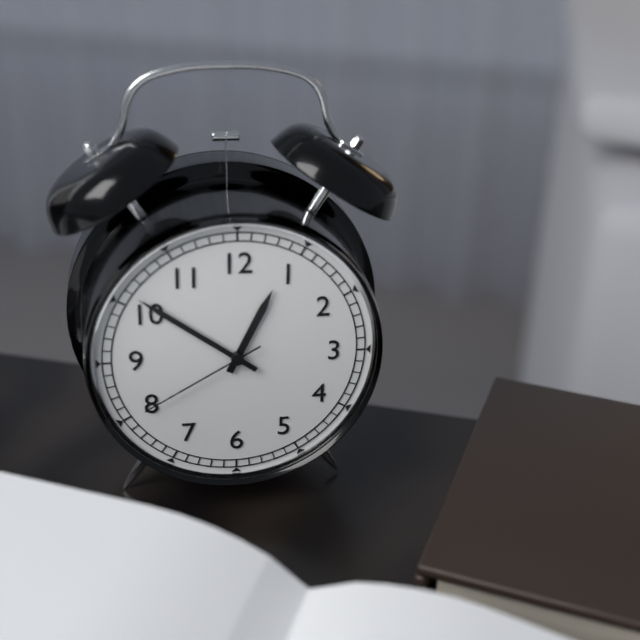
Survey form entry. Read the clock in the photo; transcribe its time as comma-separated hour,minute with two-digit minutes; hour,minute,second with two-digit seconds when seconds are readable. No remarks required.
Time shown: 12,51,40
